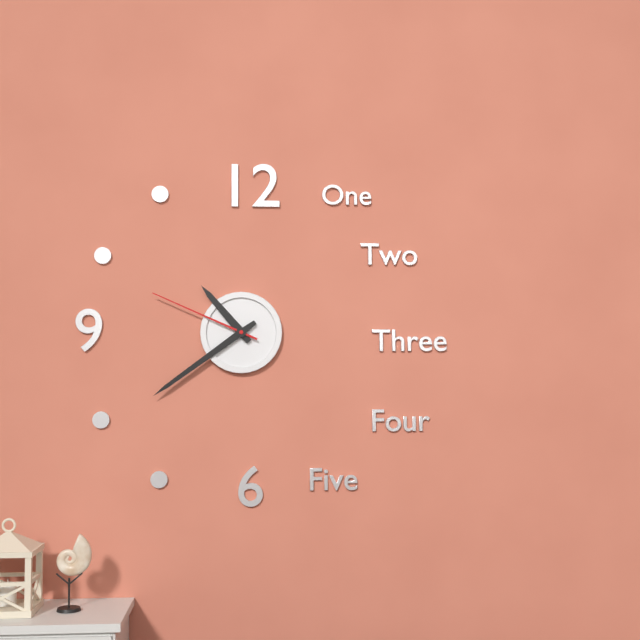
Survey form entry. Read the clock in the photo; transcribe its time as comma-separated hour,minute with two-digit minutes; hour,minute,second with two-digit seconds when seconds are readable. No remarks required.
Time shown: 10,39,49
